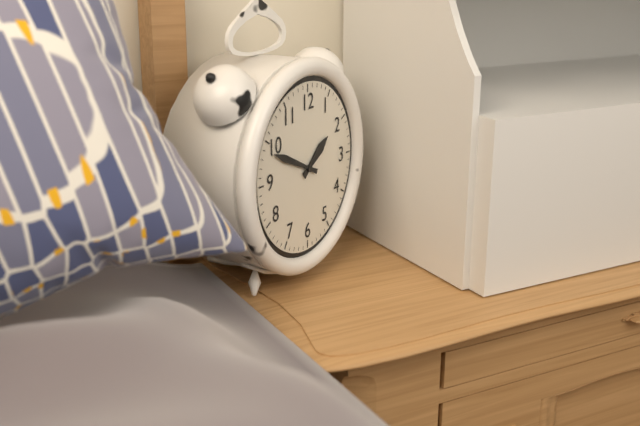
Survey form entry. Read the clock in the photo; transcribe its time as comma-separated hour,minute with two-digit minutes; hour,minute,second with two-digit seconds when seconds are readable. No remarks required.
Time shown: 1,49
